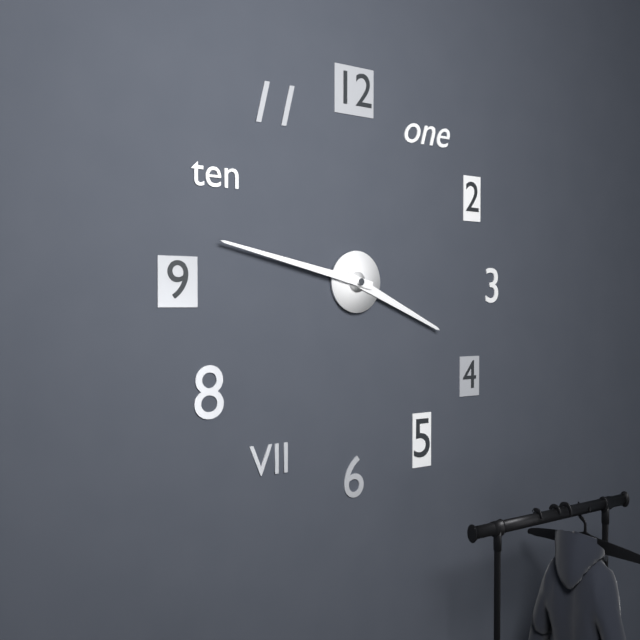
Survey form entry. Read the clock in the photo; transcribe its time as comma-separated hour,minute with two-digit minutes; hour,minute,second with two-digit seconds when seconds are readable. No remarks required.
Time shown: 3,47
